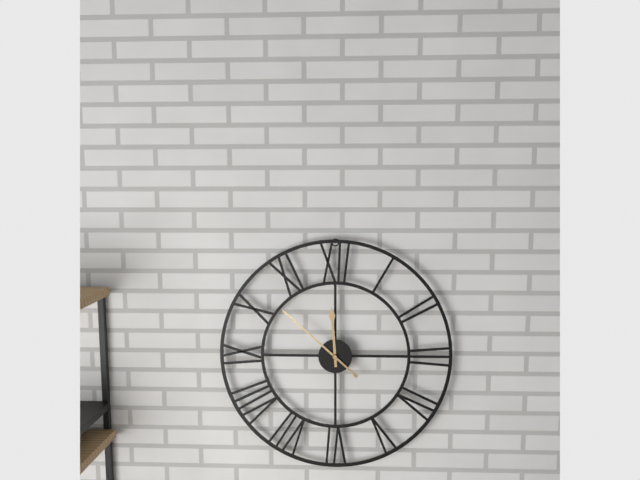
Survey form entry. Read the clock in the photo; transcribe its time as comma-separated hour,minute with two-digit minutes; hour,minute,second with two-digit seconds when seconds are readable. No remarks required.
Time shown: 11,52
